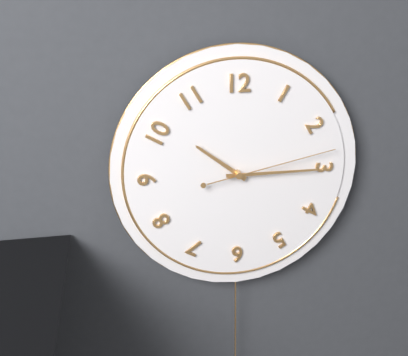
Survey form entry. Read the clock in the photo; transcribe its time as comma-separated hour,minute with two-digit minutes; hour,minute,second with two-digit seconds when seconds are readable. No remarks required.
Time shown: 10,15,13
